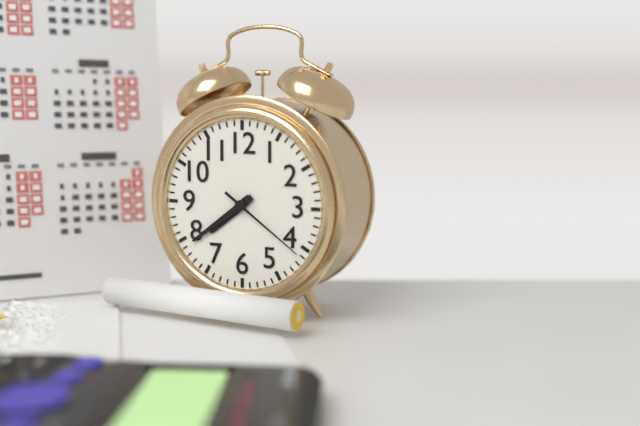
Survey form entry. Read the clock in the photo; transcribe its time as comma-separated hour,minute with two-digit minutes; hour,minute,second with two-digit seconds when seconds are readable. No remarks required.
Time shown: 7,39,21
